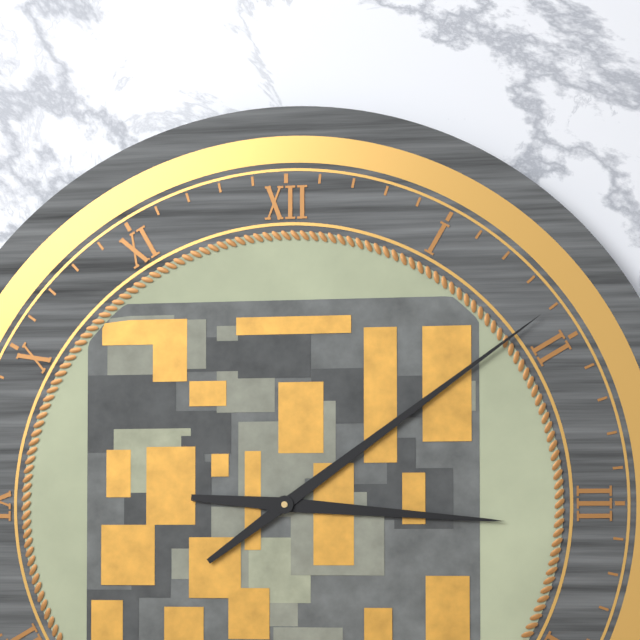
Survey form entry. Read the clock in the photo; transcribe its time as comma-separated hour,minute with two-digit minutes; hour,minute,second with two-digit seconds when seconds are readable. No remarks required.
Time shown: 3,09
